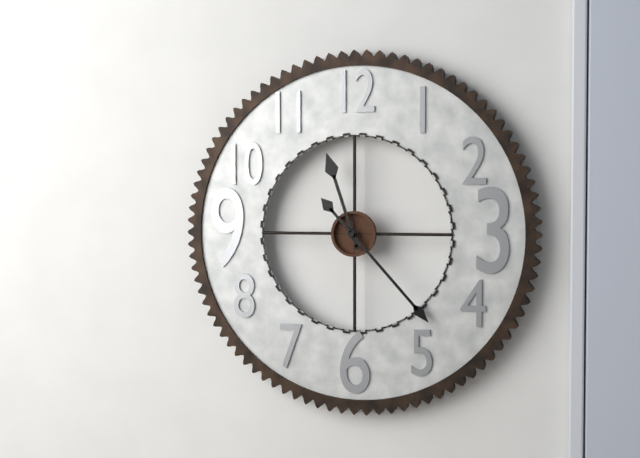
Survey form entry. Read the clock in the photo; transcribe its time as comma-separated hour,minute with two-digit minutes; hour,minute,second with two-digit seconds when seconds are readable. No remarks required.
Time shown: 11,23
